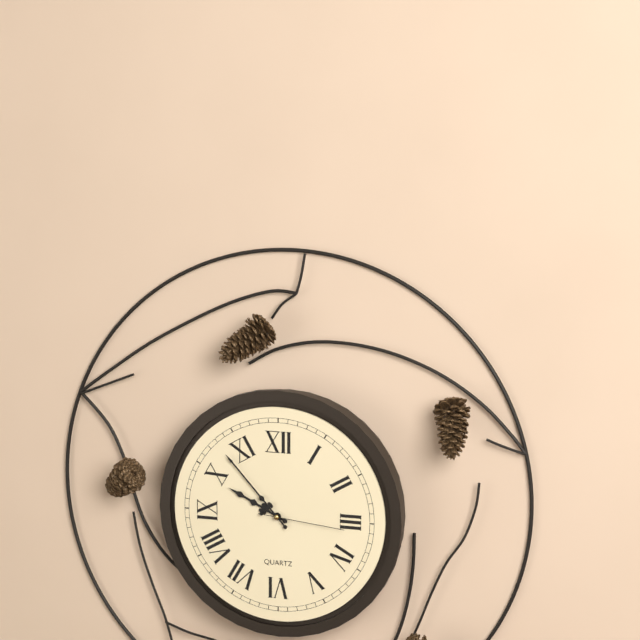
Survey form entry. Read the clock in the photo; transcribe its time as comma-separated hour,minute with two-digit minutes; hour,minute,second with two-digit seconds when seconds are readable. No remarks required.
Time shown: 9,53,16
